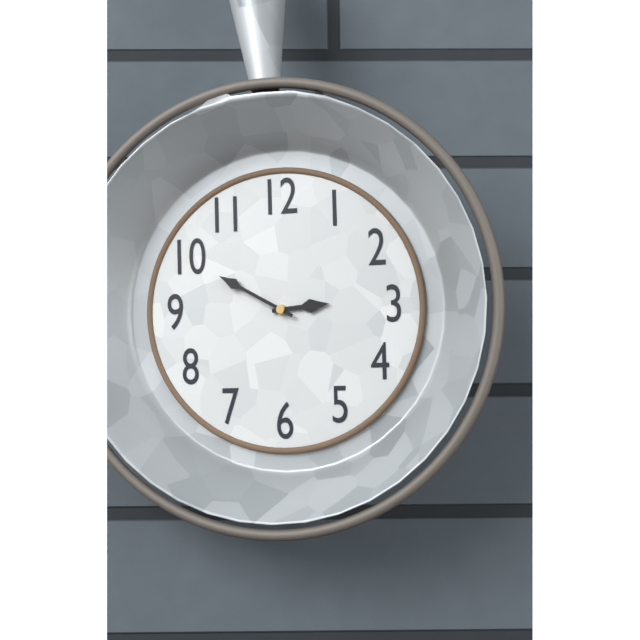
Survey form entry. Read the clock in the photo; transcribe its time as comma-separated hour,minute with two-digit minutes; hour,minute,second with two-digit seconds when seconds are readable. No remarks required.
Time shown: 2,50
